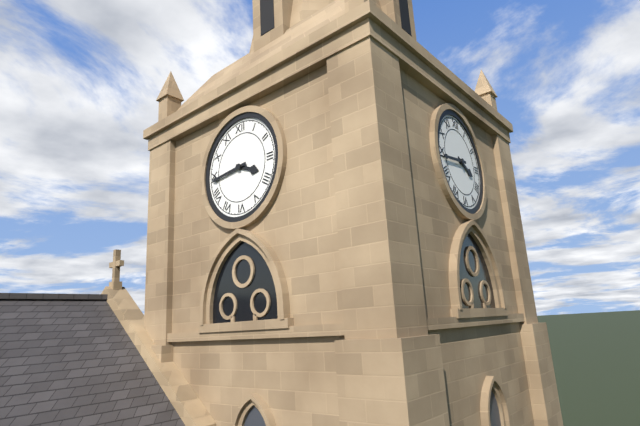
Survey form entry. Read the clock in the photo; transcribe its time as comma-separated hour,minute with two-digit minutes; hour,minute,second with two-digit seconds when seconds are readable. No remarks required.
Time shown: 3,44
